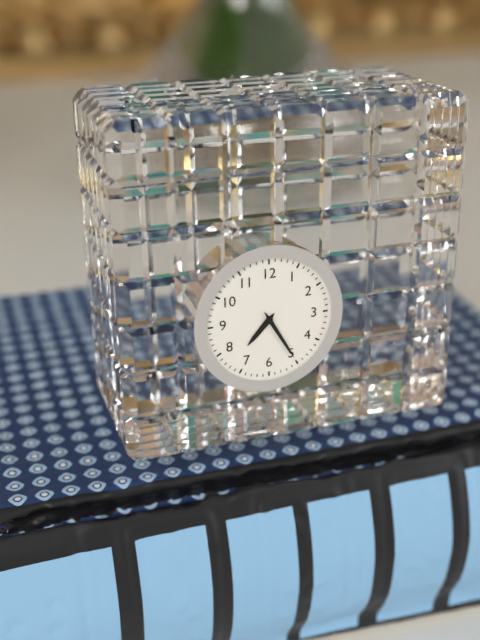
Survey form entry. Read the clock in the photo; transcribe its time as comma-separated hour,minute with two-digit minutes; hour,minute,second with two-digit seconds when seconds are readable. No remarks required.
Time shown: 7,25
